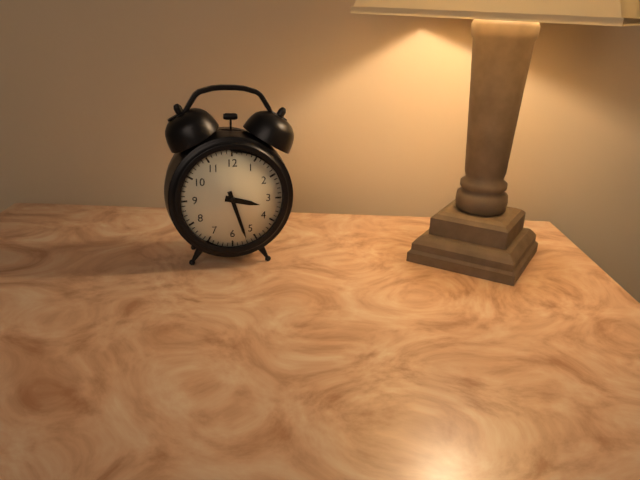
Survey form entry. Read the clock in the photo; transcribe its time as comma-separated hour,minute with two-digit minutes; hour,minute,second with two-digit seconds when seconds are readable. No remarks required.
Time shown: 3,27
